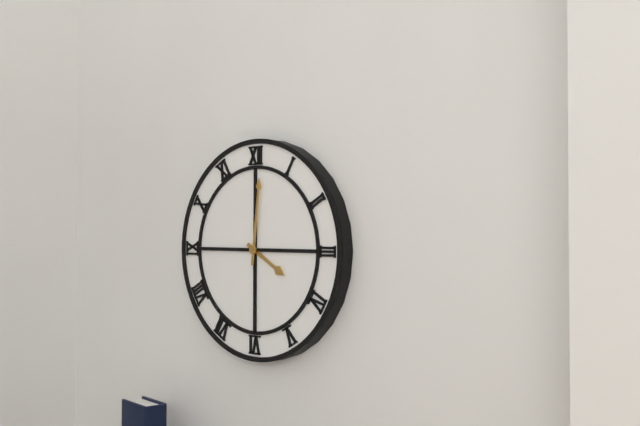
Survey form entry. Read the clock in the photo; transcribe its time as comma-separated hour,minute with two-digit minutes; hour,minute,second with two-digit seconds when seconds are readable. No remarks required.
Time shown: 4,01
